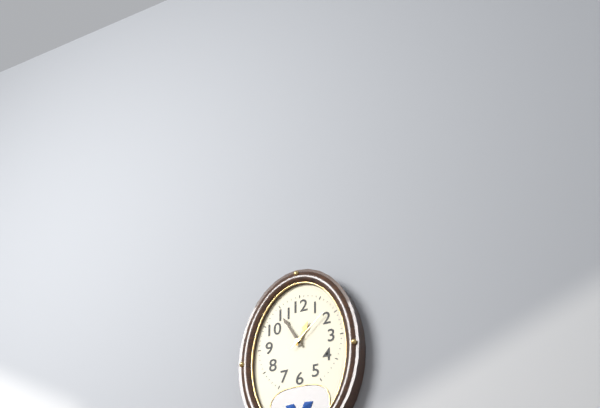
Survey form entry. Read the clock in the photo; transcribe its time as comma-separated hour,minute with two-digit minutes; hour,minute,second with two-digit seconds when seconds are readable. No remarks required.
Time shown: 12,55
